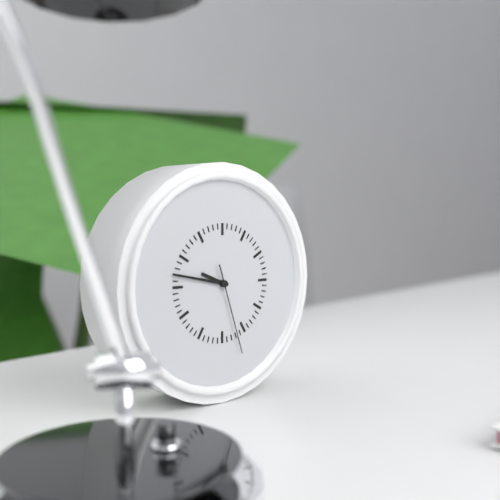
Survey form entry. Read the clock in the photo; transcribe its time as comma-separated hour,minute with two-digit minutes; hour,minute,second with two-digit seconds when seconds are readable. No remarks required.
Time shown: 9,47,27
